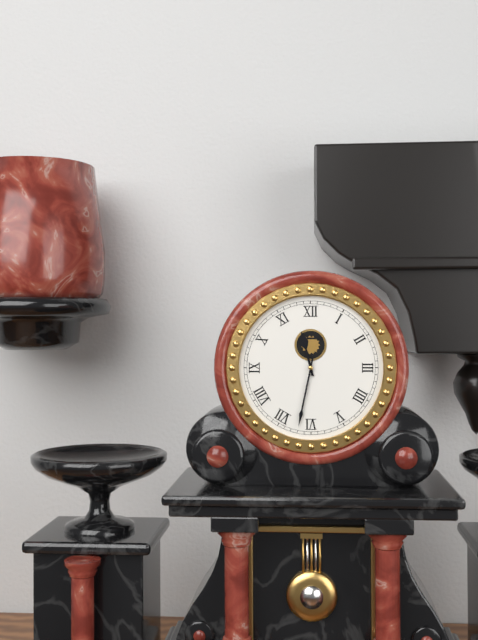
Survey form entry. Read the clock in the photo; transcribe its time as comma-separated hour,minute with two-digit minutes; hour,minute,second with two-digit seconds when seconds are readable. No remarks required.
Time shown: 11,32
